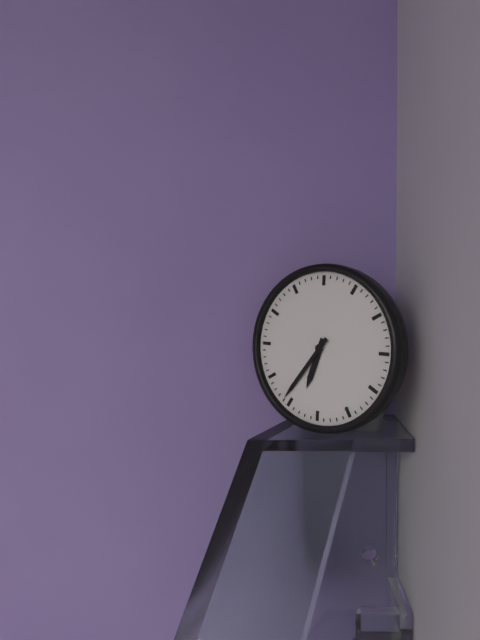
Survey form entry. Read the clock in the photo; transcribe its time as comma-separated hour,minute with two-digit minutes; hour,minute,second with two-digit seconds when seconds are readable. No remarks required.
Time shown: 6,36
